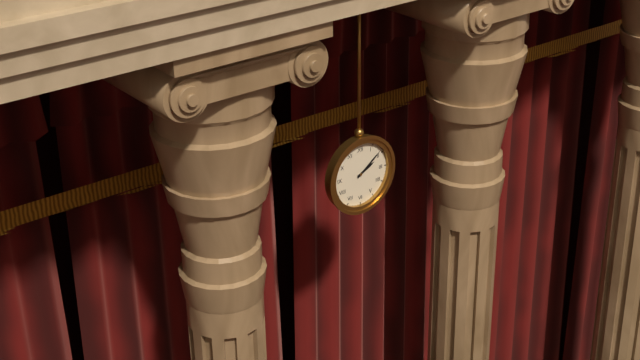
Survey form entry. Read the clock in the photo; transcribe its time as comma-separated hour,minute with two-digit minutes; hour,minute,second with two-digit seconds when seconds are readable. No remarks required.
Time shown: 2,09
